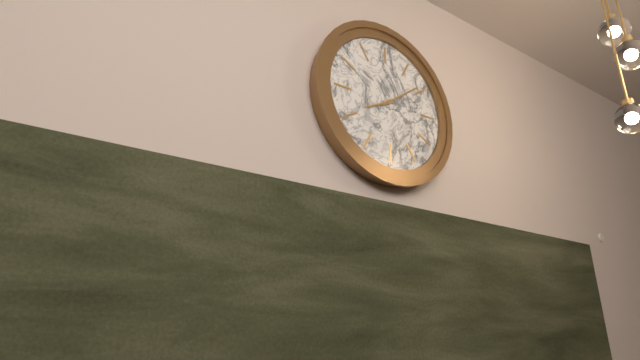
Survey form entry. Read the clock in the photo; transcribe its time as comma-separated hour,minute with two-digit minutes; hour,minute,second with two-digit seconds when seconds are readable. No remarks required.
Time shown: 8,09
